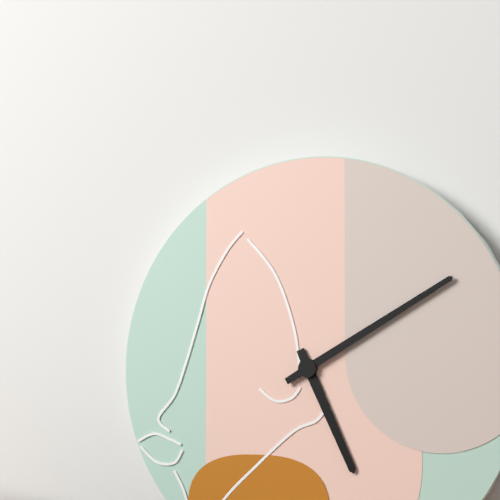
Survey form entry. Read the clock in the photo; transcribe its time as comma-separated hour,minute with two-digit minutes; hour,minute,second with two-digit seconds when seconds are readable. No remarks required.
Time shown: 5,10
